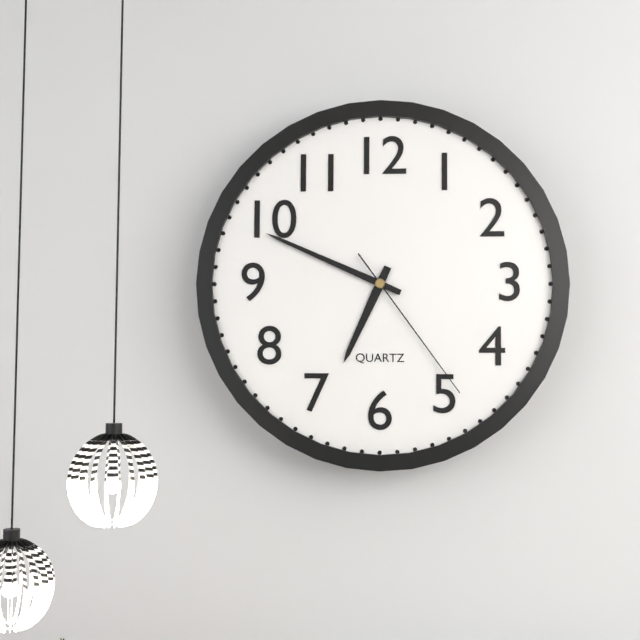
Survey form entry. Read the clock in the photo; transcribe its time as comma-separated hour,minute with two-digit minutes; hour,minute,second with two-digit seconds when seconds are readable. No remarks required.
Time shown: 6,49,24
